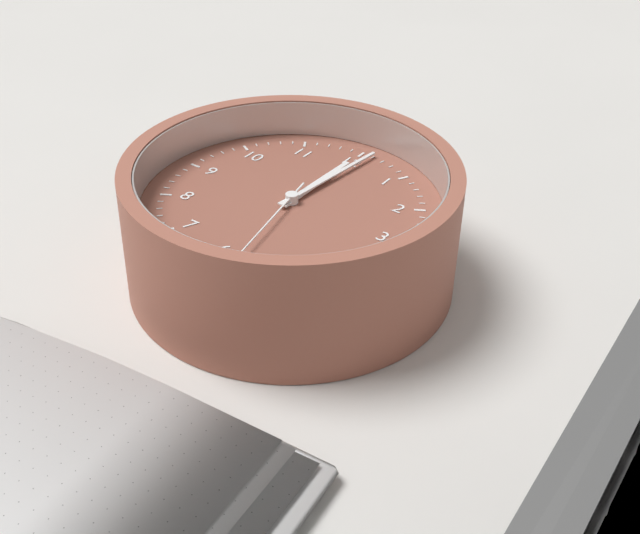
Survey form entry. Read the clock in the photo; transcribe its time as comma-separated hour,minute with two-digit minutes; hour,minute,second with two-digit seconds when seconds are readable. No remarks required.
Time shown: 12,01,28
